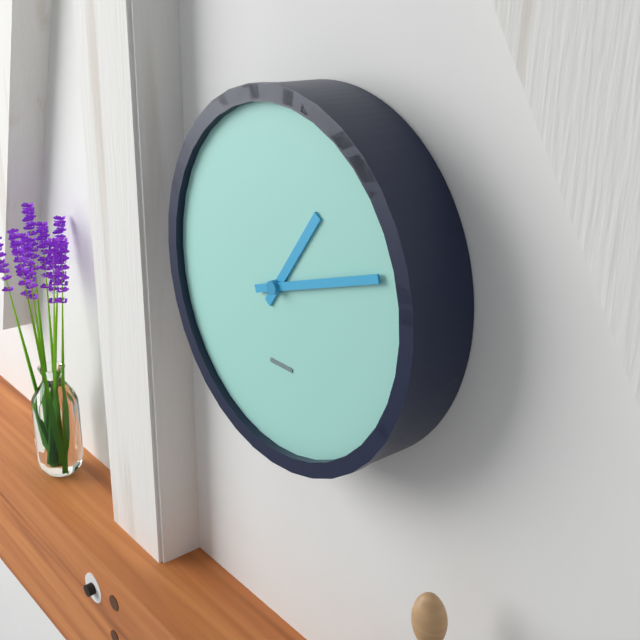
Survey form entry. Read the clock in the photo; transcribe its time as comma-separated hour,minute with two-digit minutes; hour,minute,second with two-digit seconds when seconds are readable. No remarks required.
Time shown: 1,12
